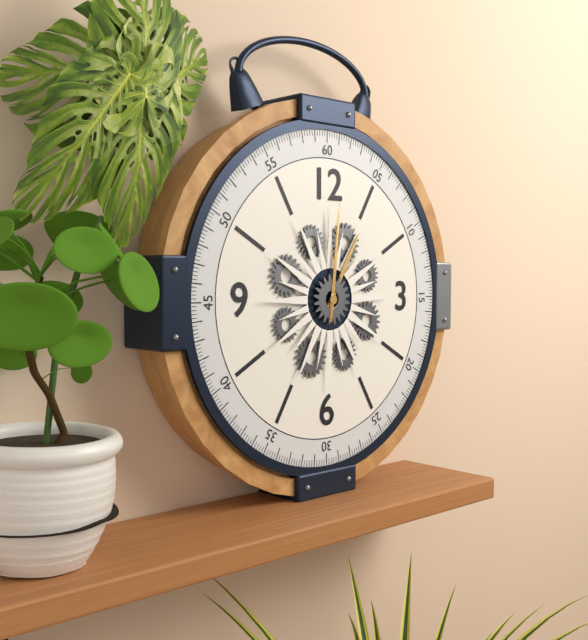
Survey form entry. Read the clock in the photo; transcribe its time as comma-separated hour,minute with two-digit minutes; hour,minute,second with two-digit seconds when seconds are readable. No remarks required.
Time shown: 1,01
